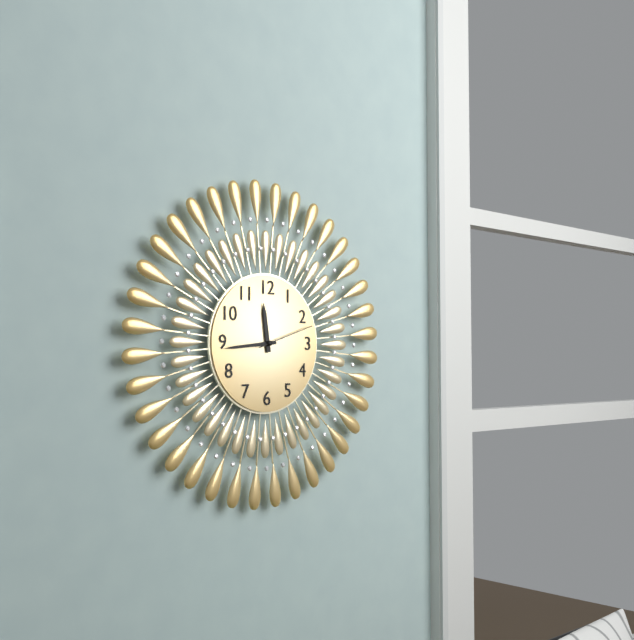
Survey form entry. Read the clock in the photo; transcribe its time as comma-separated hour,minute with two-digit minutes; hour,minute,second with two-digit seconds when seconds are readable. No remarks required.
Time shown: 11,44,12
